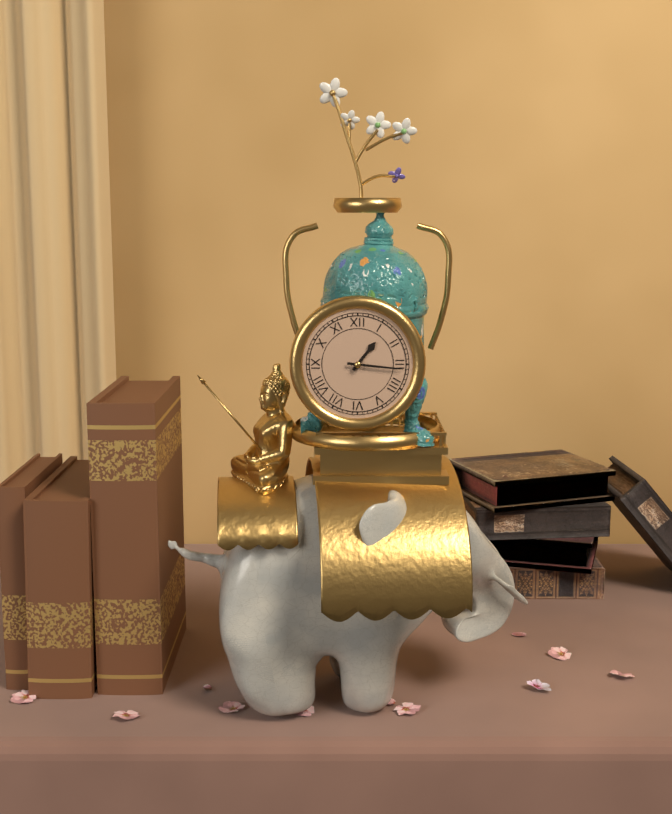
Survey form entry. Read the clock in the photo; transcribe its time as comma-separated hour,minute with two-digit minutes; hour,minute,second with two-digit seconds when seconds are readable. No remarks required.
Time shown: 1,16
